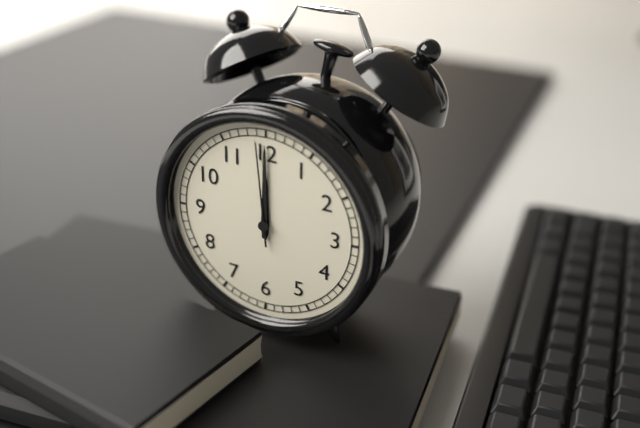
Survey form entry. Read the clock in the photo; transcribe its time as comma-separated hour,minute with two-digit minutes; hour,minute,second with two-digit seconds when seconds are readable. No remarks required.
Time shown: 12,00,59
